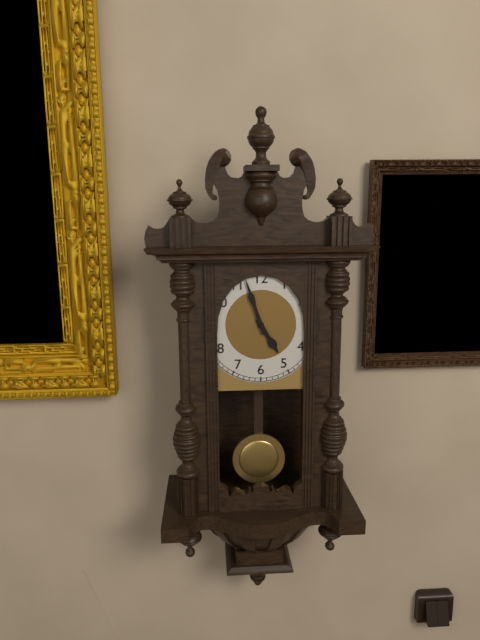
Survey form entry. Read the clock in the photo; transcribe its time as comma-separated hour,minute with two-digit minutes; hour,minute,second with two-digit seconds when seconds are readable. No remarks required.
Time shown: 4,57
